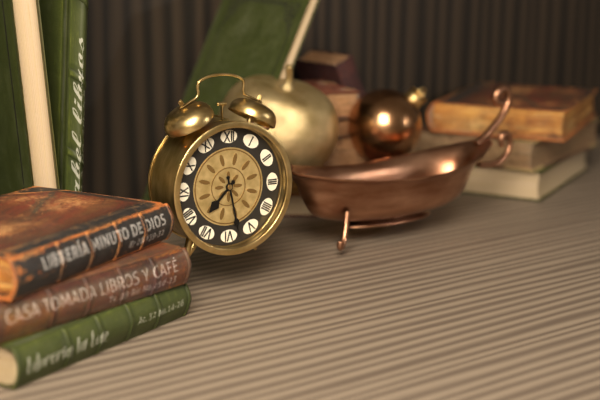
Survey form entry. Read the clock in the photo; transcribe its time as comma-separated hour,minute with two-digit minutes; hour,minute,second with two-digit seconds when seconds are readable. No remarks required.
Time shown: 7,28
